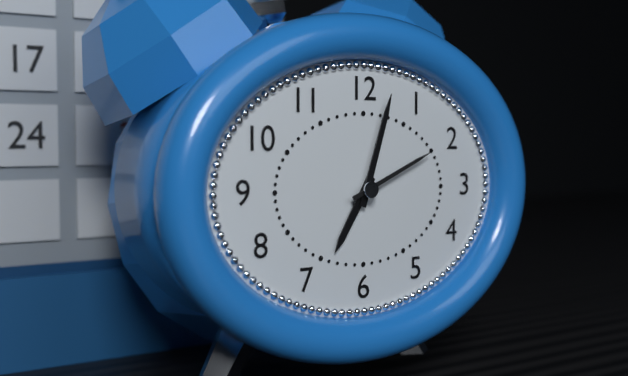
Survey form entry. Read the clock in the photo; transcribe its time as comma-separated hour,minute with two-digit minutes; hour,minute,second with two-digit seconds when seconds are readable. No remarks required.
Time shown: 7,03,11
